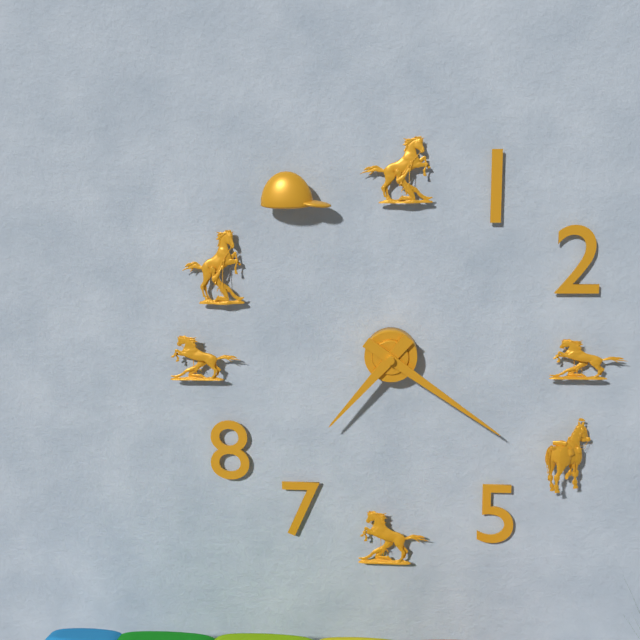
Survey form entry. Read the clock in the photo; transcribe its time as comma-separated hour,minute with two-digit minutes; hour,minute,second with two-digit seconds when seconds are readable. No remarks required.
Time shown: 7,21
